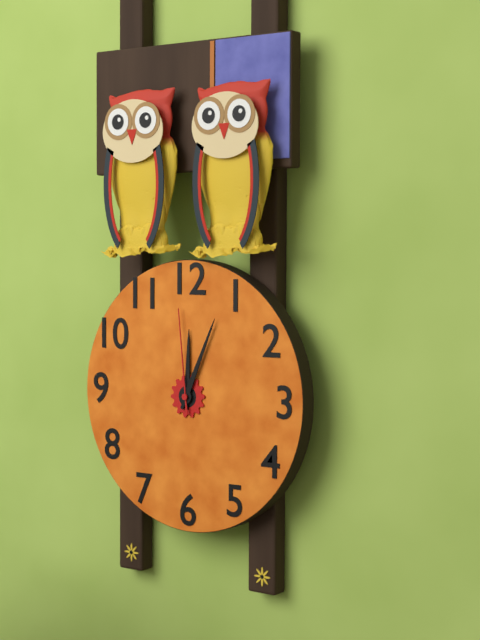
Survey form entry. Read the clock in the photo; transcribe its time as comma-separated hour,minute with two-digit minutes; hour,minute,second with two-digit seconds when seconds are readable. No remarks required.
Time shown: 12,04,59
